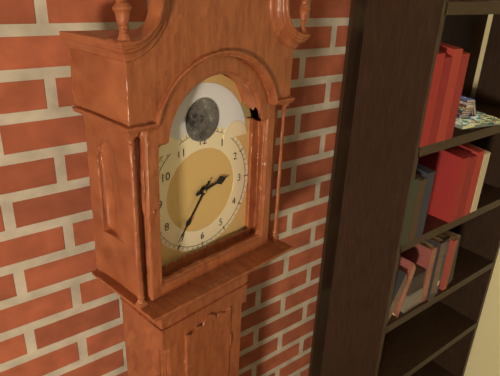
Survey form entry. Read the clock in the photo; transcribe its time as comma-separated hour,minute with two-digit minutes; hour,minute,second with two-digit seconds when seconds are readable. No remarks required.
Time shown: 2,36
